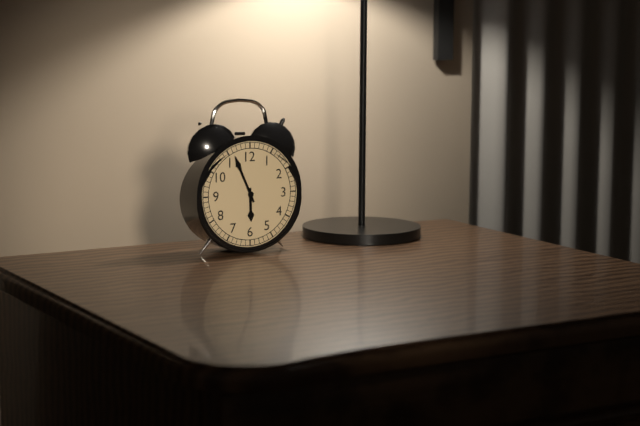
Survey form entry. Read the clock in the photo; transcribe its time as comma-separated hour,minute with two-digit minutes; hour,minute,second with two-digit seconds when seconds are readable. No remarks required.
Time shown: 5,56
